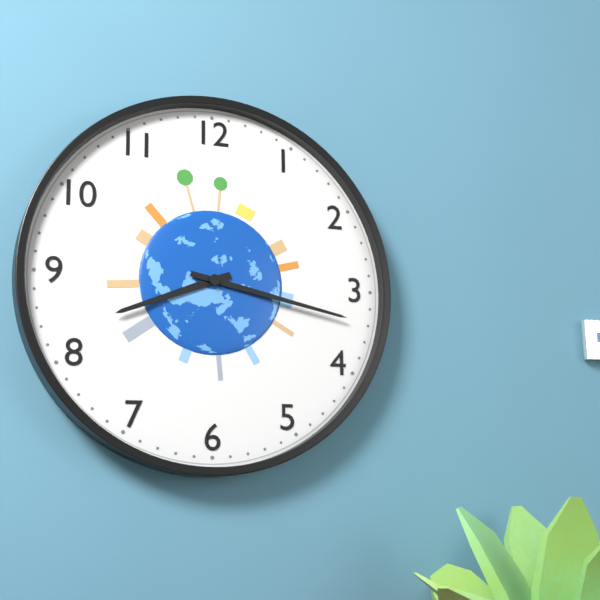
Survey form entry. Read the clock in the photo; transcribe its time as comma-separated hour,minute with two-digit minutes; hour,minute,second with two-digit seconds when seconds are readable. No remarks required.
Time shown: 8,17
